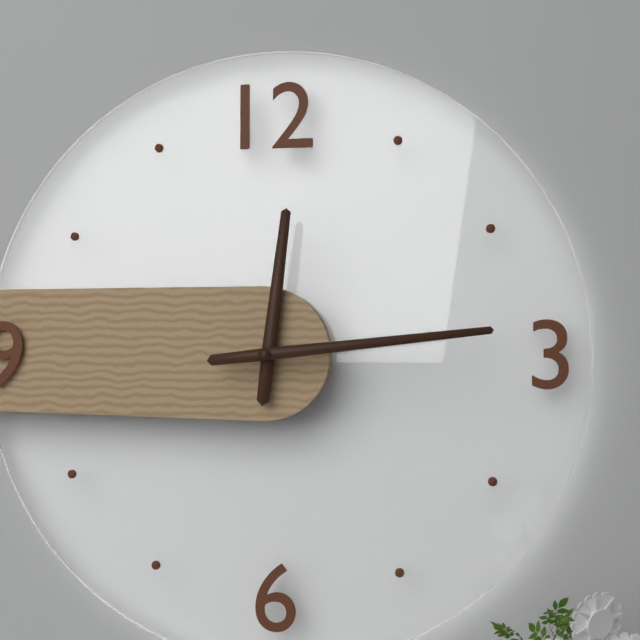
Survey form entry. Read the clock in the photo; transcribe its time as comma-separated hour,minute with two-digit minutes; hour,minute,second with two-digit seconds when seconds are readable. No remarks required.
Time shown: 12,14
